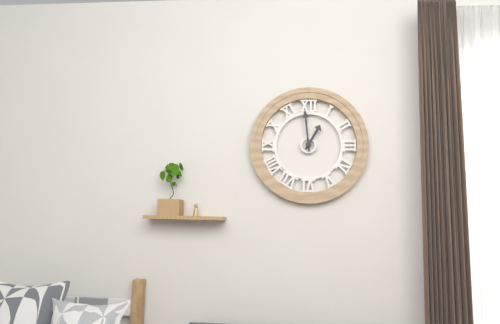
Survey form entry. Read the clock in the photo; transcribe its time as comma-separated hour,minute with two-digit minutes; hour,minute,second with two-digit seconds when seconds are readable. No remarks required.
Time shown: 12,59
